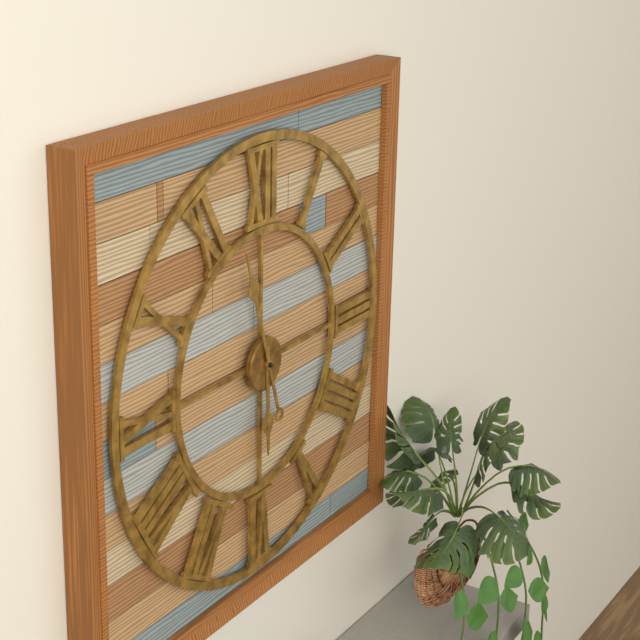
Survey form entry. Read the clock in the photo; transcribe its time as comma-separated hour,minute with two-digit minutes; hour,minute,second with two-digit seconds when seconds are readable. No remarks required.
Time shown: 5,57
